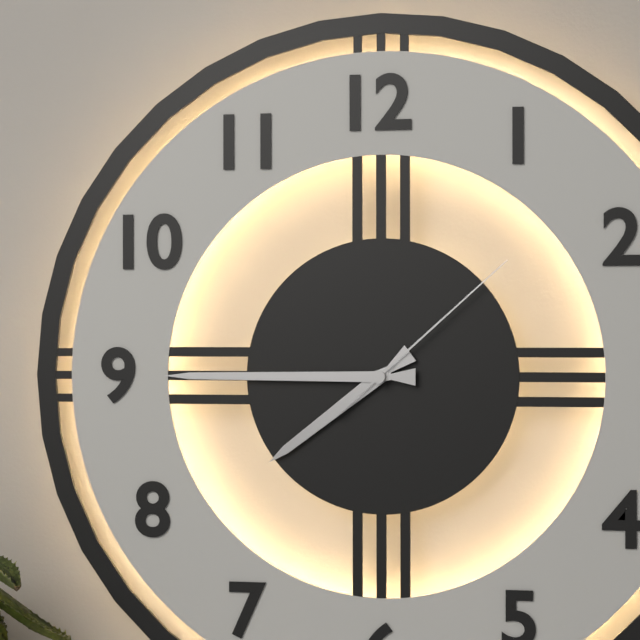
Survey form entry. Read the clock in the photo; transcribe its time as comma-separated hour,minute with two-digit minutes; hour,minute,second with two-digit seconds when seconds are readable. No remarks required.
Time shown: 7,45,08
